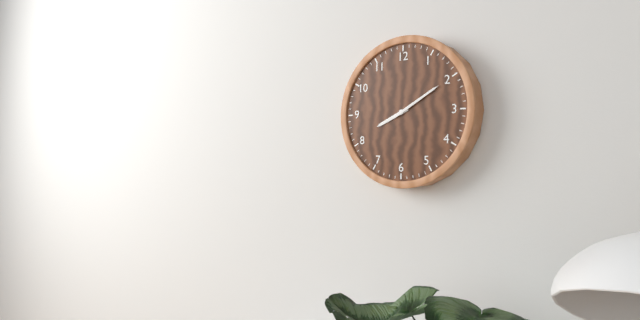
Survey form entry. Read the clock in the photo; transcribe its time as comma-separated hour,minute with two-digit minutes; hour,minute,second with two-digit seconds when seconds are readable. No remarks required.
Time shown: 8,10
